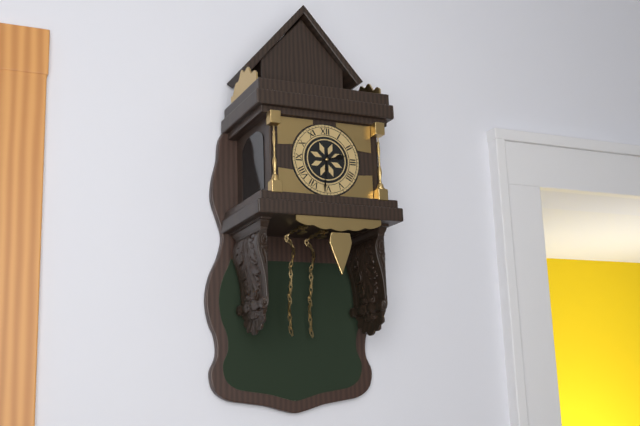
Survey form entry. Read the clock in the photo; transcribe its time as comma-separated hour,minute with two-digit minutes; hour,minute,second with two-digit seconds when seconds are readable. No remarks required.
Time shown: 2,31
